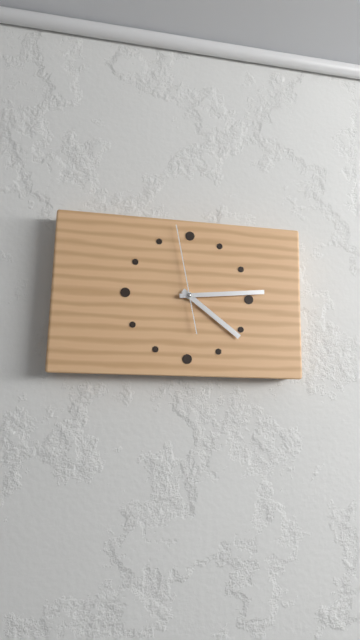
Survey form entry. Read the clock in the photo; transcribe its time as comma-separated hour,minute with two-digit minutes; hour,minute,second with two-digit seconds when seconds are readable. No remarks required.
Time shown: 4,14,58
